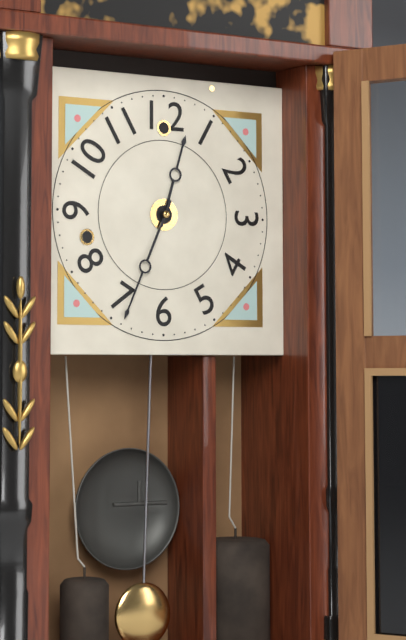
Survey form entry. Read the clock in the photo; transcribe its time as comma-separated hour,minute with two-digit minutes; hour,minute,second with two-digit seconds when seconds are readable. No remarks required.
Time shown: 12,34
